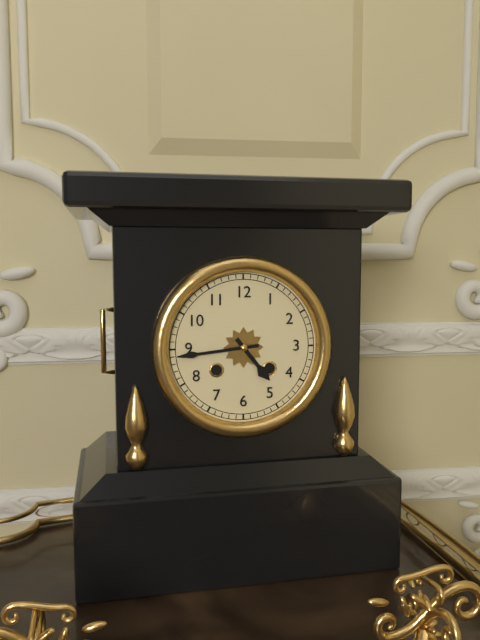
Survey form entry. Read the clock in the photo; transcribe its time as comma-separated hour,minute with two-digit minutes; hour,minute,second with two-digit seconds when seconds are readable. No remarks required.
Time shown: 4,44
